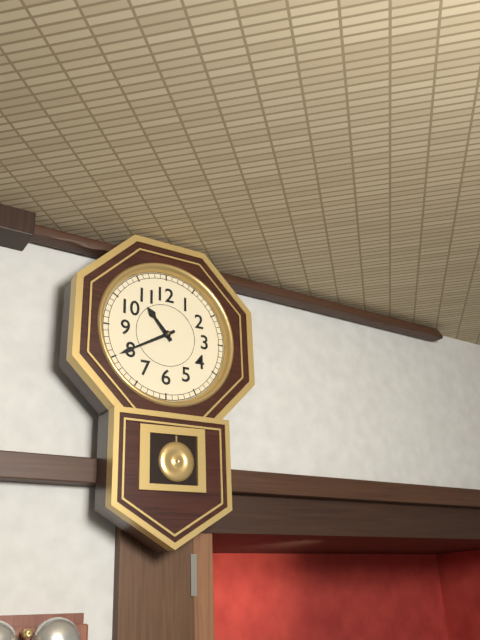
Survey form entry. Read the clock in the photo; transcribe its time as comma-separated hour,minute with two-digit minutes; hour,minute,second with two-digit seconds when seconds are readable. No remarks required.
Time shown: 10,40
